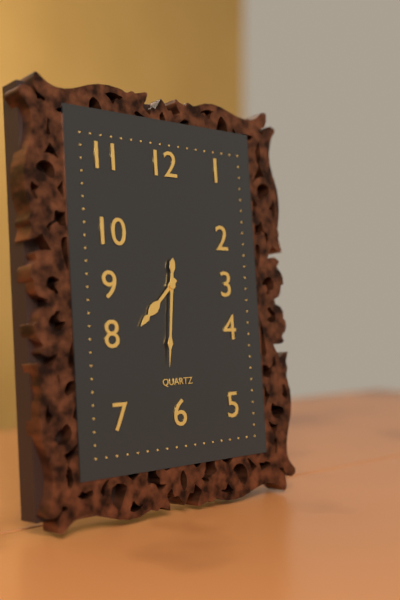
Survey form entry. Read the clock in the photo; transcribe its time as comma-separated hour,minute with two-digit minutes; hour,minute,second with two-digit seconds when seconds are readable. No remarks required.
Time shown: 7,31
